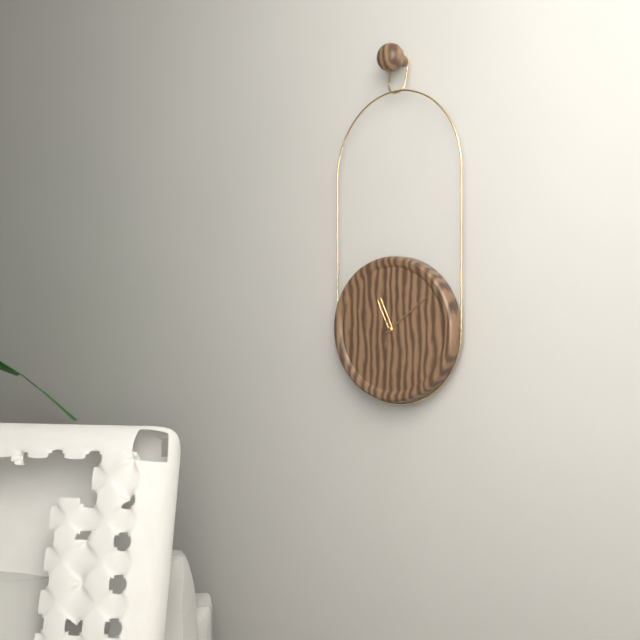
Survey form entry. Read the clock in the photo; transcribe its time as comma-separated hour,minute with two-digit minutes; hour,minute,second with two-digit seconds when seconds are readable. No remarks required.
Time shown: 11,09
